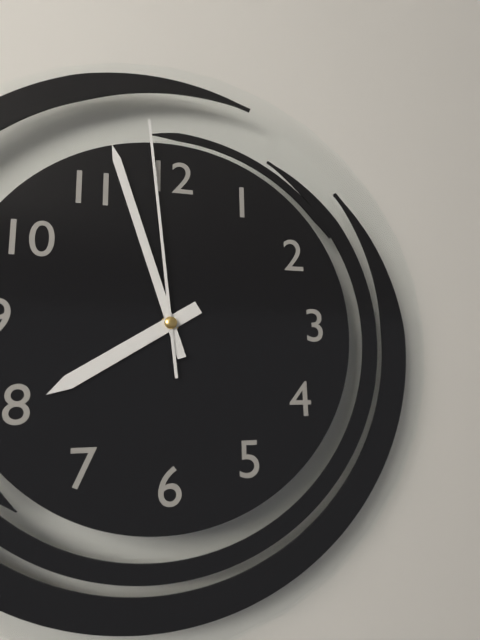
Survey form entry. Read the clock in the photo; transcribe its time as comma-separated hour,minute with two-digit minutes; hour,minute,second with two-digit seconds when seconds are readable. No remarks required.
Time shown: 7,57,59
